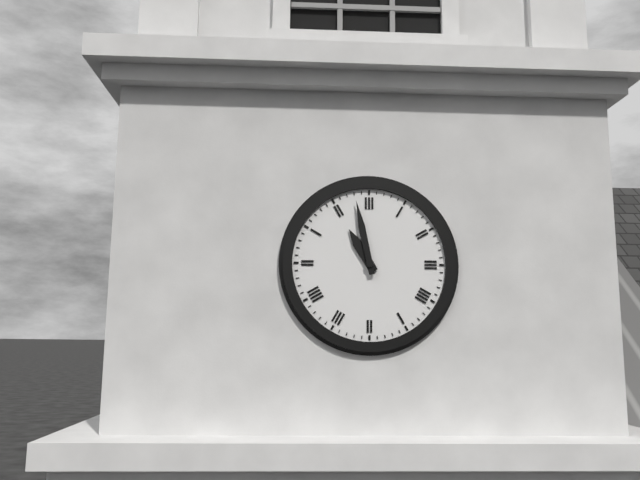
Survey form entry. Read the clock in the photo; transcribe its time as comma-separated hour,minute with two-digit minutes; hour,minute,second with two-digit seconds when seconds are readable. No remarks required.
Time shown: 10,58
